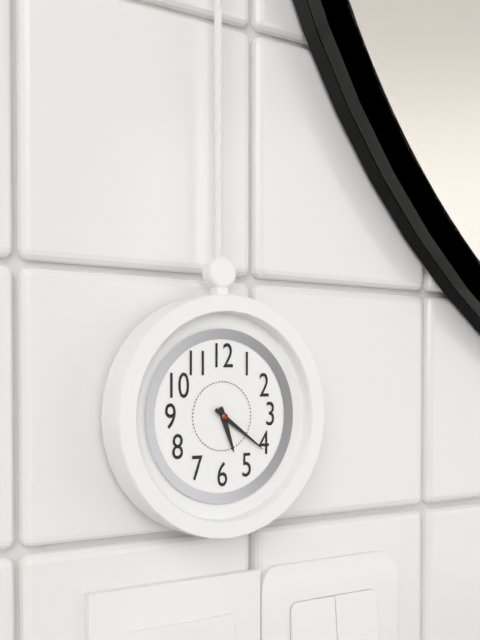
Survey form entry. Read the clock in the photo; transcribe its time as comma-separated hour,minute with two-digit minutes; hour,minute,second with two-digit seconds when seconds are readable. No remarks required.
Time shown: 5,21
